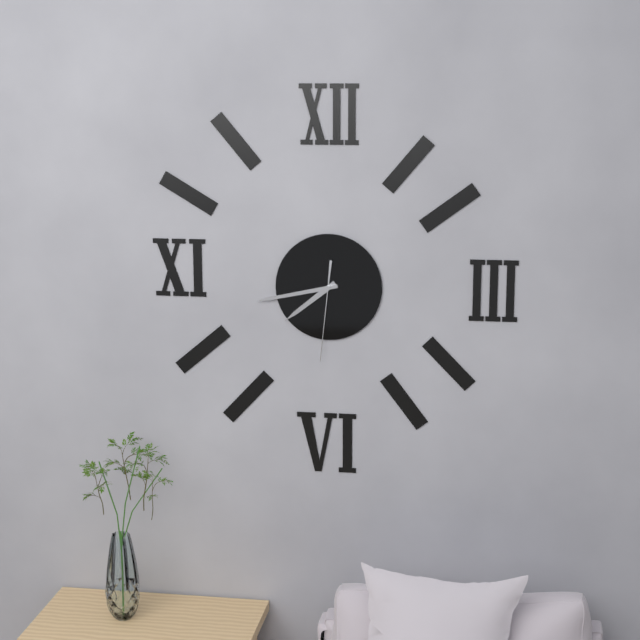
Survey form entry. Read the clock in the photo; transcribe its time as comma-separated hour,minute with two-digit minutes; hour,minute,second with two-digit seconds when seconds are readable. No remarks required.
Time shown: 7,43,31
